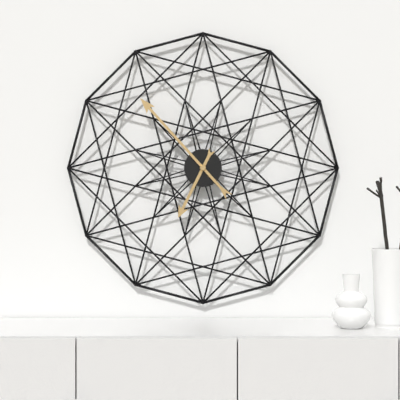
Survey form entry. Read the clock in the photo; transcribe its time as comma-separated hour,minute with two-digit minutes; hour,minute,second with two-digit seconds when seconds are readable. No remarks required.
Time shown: 6,53
